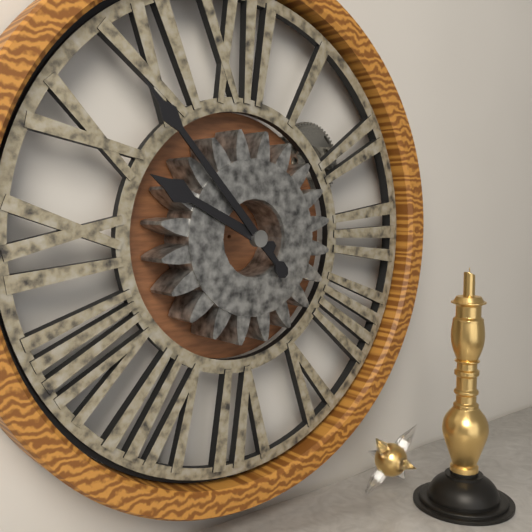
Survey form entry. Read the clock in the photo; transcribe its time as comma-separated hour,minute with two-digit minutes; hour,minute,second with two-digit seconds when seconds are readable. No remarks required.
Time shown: 9,53
